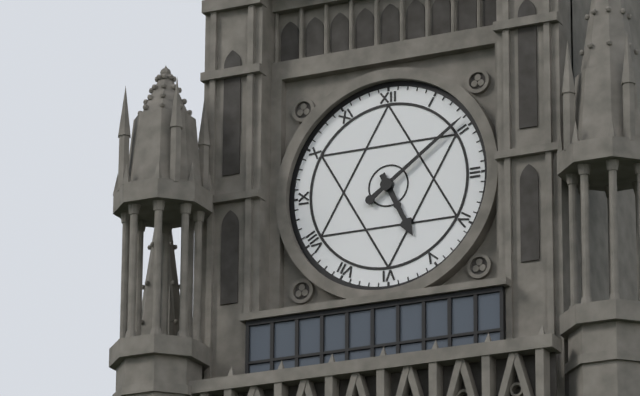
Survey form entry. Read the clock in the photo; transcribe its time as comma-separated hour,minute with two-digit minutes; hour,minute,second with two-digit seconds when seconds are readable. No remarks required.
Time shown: 5,09
